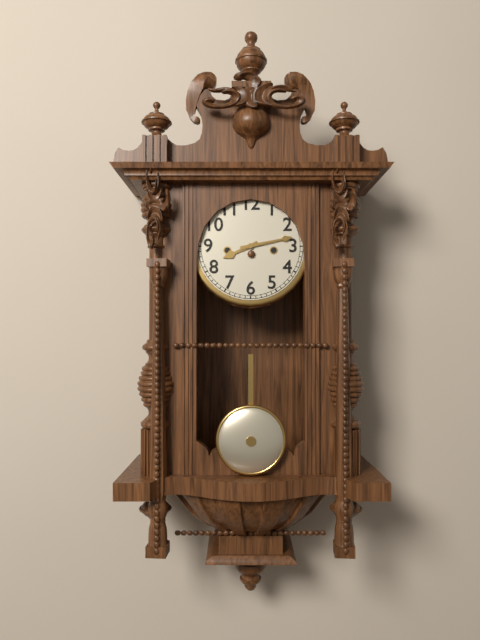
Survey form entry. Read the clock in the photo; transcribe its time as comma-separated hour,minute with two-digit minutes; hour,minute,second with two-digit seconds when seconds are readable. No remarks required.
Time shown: 8,13
